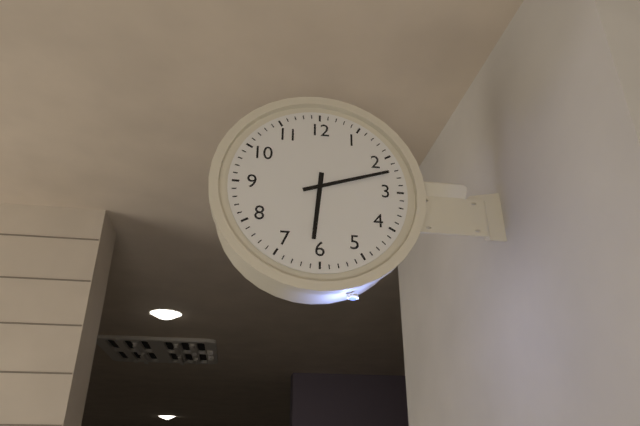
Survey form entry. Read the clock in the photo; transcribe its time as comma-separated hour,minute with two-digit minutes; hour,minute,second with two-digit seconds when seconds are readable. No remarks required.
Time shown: 6,12
